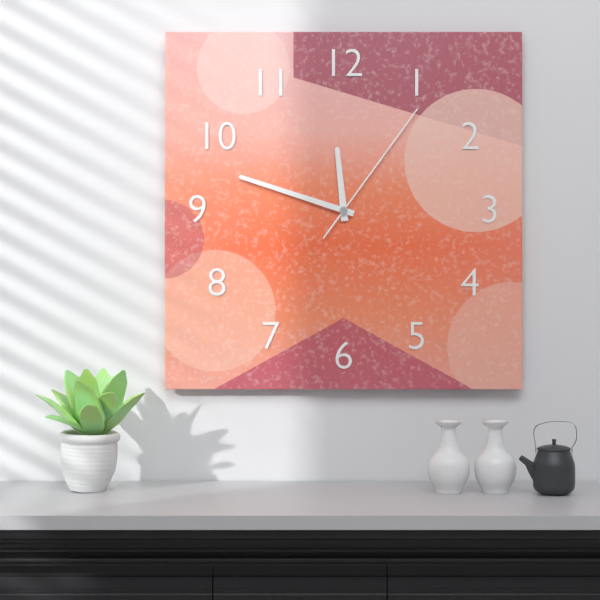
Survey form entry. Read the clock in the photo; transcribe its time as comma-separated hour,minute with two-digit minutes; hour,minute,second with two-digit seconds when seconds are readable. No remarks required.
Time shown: 11,48,06
